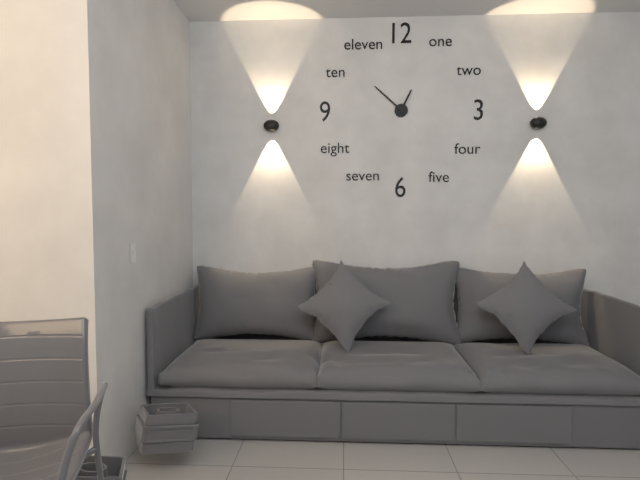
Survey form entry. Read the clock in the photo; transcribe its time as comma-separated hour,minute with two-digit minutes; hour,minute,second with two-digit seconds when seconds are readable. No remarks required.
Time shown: 12,52
